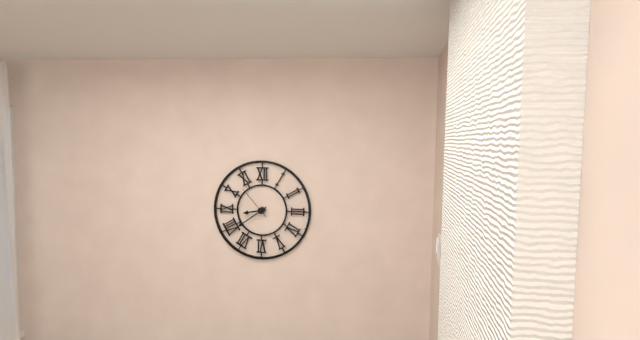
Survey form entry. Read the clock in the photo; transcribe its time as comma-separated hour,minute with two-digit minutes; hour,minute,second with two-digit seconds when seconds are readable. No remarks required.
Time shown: 8,39
